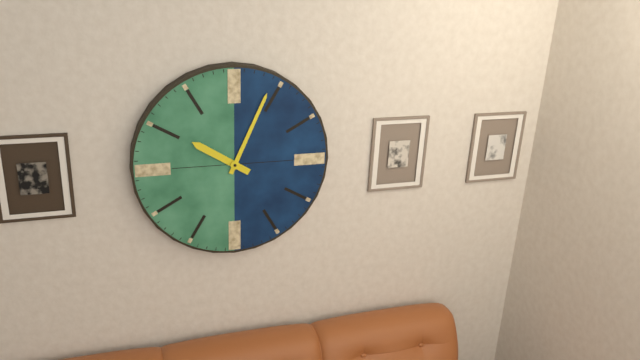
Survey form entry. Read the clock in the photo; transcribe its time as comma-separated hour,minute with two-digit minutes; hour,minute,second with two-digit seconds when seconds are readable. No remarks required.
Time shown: 10,04
